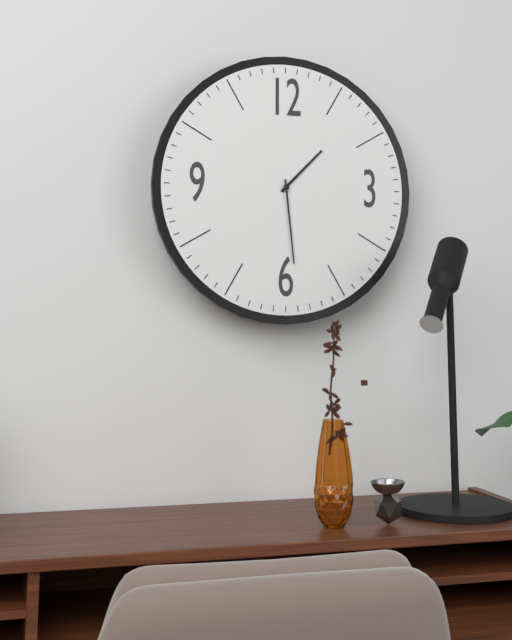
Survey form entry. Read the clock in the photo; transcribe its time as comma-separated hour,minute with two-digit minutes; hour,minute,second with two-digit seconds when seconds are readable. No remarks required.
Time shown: 1,29
